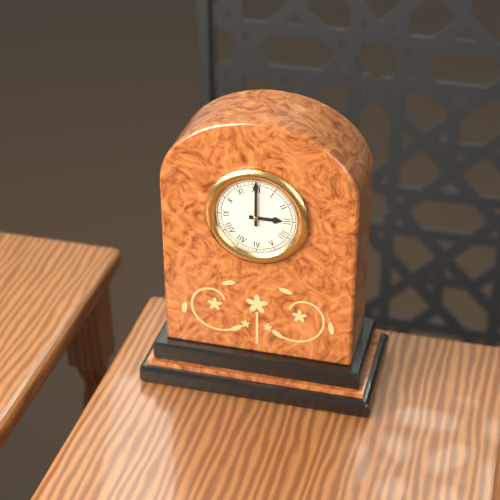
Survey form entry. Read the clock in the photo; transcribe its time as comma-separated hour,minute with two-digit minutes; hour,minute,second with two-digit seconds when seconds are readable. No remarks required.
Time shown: 3,00
